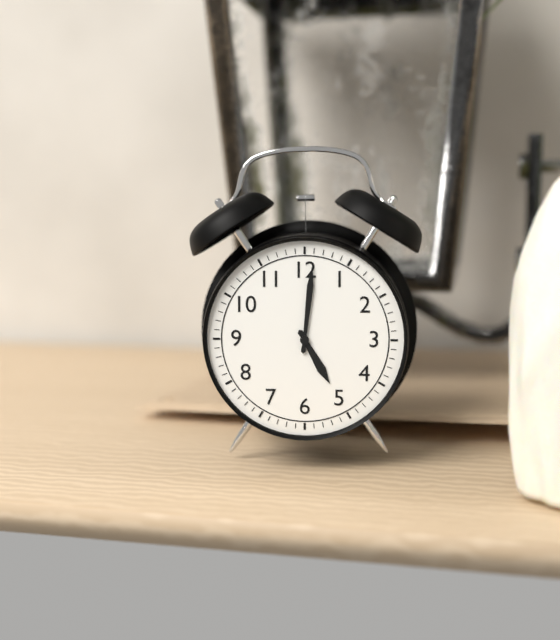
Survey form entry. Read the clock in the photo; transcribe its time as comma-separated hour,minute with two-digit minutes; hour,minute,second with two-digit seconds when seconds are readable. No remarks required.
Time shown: 5,01
